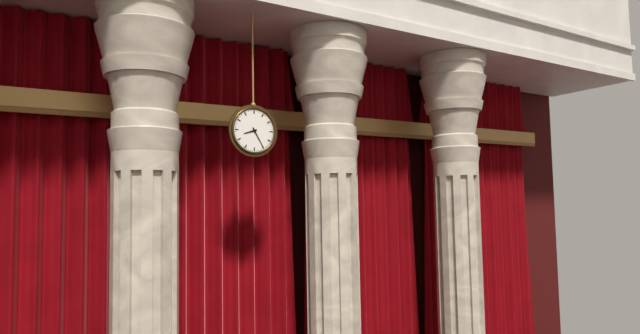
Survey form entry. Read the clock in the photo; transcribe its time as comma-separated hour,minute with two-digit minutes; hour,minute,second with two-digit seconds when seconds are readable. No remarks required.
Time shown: 8,25
